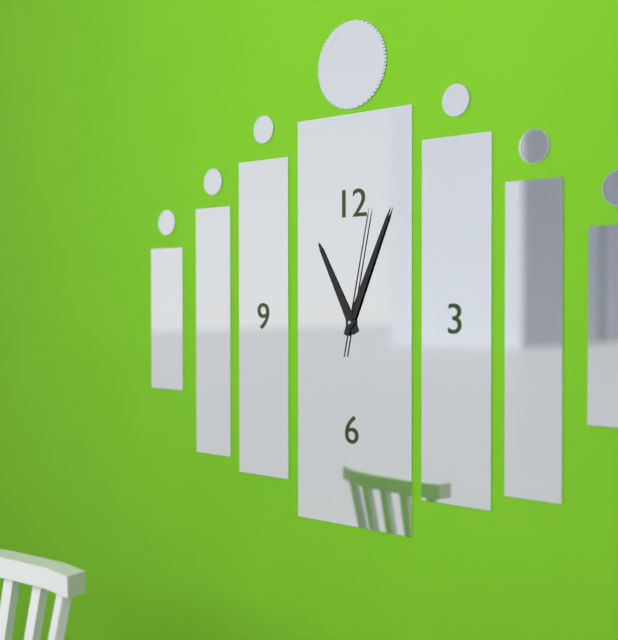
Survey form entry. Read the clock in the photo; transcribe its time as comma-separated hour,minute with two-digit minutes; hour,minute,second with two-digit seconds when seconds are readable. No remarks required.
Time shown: 11,04,02
